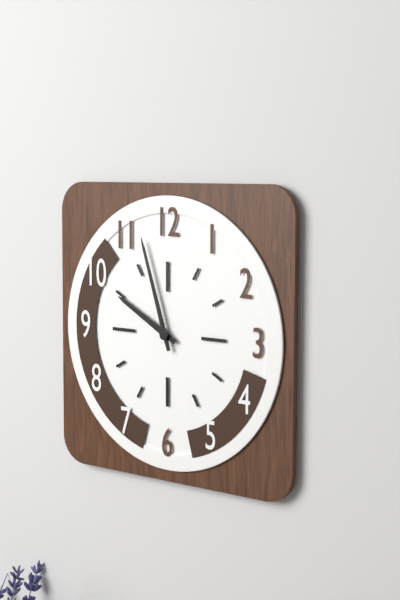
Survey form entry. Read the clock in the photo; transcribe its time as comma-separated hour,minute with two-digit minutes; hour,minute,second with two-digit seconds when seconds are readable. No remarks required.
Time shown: 9,57
